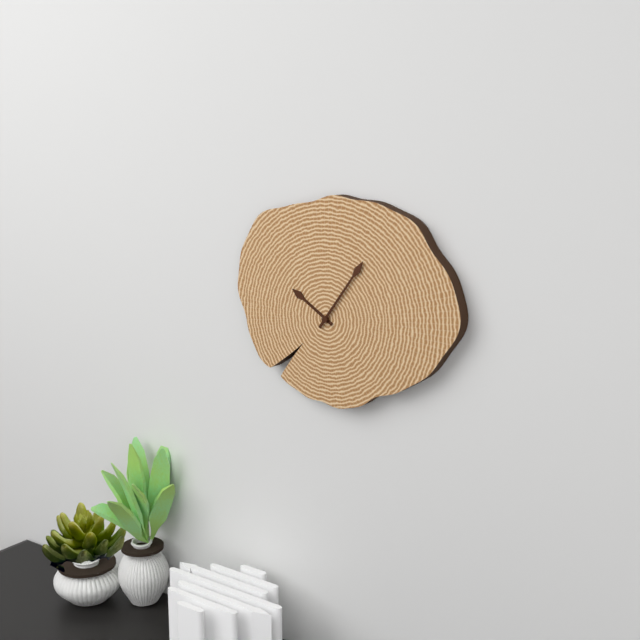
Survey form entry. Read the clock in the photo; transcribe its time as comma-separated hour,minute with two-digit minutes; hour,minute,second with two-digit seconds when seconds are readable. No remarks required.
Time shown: 10,06
